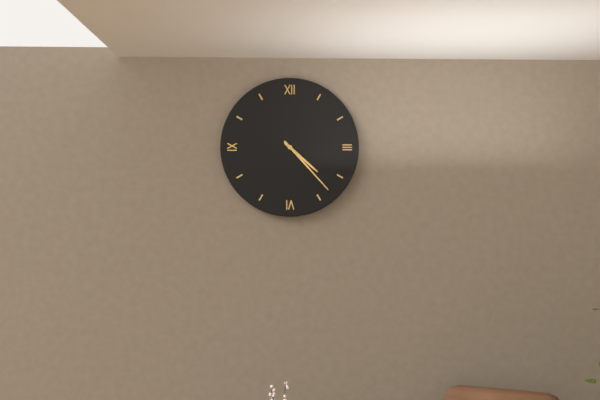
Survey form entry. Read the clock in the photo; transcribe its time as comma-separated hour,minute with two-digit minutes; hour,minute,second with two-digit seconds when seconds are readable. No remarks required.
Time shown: 4,23
